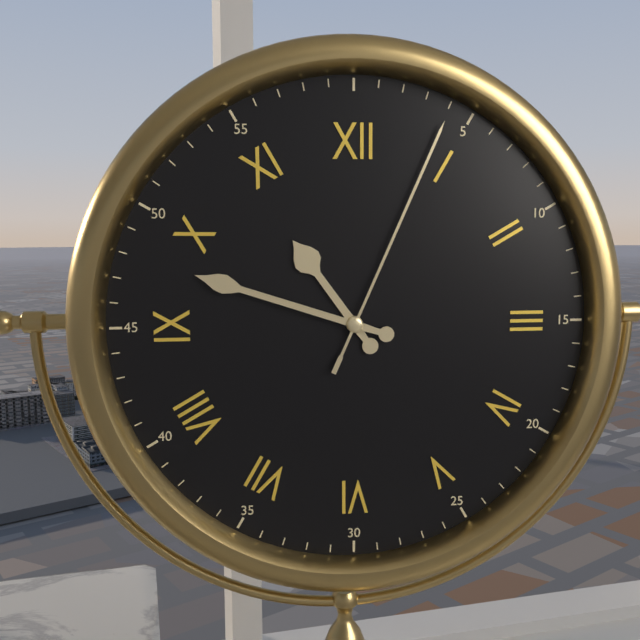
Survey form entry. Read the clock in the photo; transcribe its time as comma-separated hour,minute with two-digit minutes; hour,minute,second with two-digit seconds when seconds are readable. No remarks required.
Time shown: 10,48,04
